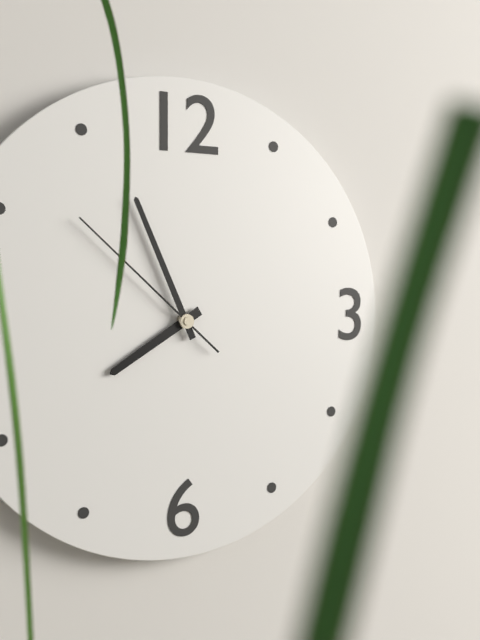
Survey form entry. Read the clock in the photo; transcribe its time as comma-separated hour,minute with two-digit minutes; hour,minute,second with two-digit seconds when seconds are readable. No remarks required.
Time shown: 7,56,52
